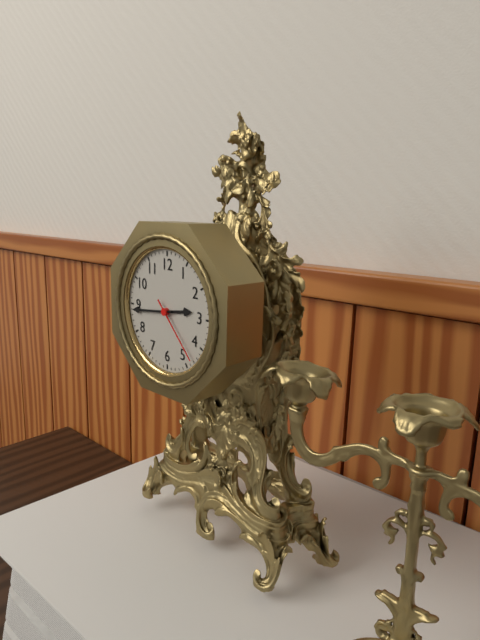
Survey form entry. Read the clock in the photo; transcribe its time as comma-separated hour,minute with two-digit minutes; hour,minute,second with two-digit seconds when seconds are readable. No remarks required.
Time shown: 2,44,23
